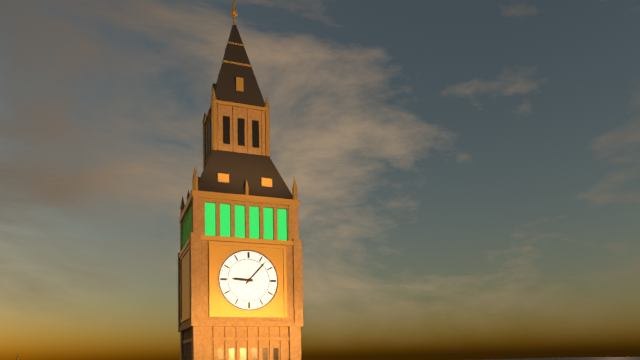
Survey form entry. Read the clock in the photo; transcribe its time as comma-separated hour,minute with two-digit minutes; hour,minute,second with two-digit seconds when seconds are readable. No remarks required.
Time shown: 9,07
